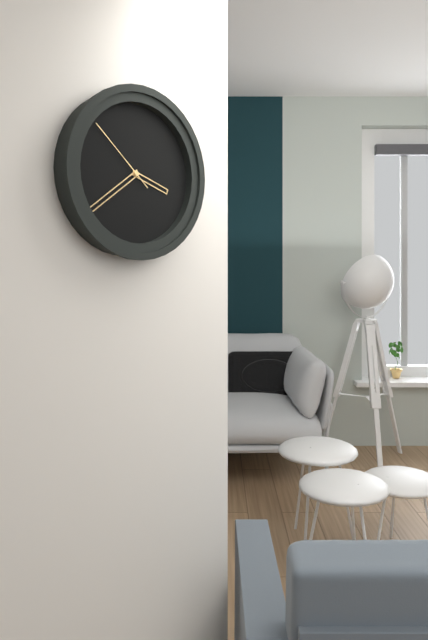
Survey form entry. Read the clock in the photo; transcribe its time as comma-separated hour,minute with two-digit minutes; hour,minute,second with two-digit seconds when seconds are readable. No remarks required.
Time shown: 3,39,52
